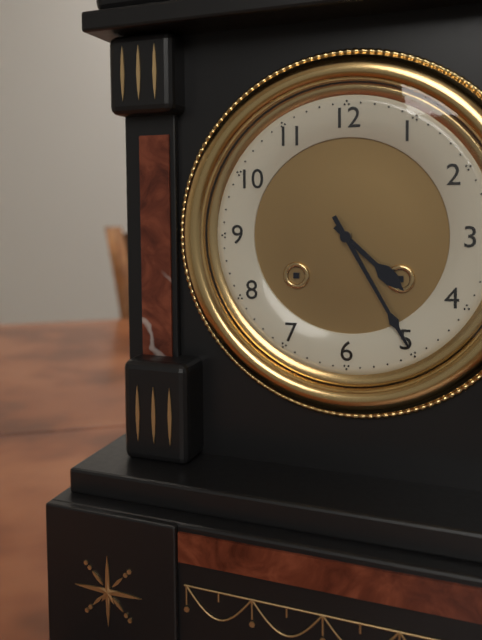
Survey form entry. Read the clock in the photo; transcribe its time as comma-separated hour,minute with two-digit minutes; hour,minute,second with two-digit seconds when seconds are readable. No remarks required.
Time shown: 4,25
